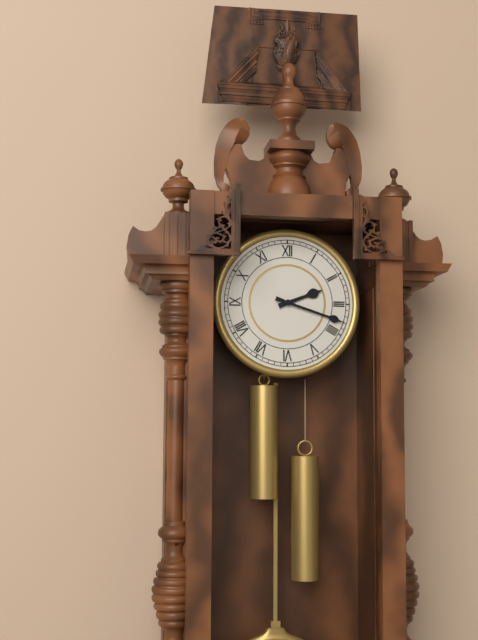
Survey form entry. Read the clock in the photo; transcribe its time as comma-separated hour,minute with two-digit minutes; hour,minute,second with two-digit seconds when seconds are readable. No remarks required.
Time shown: 2,18
